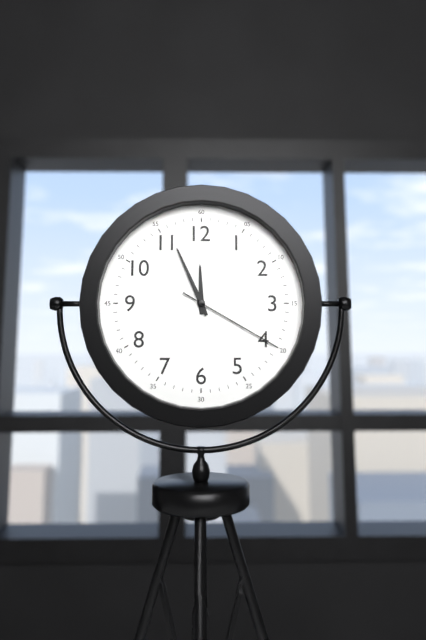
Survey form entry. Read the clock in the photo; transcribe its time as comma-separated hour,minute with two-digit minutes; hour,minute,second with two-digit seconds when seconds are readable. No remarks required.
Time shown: 11,56,20
